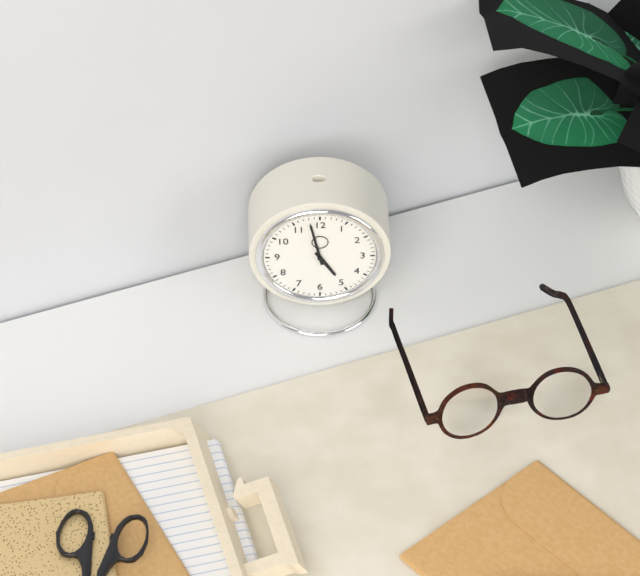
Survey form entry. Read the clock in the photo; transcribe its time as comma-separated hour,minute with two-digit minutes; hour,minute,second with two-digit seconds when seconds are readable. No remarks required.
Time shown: 4,58
